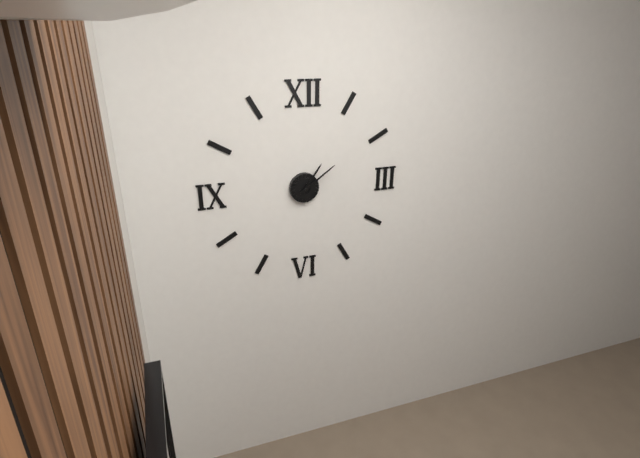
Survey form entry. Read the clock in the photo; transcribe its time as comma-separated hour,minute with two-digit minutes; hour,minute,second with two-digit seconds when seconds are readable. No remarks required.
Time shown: 1,09
